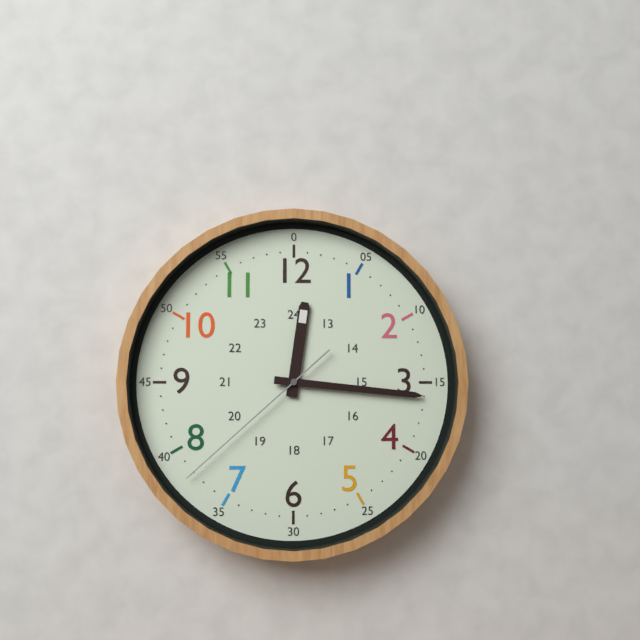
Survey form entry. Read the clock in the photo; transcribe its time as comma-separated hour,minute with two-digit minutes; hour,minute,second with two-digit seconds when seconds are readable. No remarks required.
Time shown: 12,16,38
